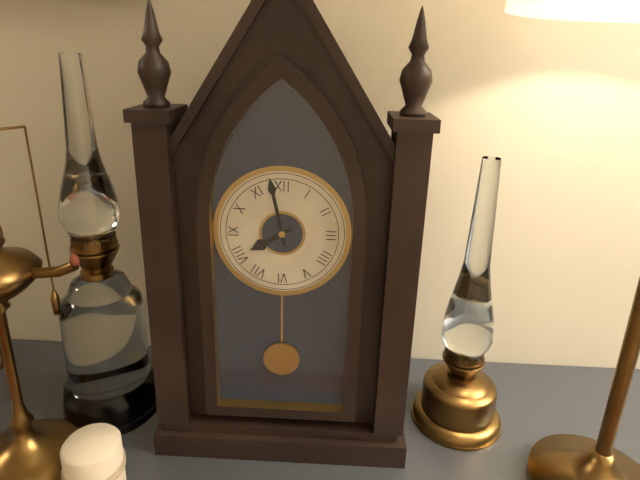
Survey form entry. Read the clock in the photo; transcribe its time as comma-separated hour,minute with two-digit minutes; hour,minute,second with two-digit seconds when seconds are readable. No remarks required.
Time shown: 7,58
